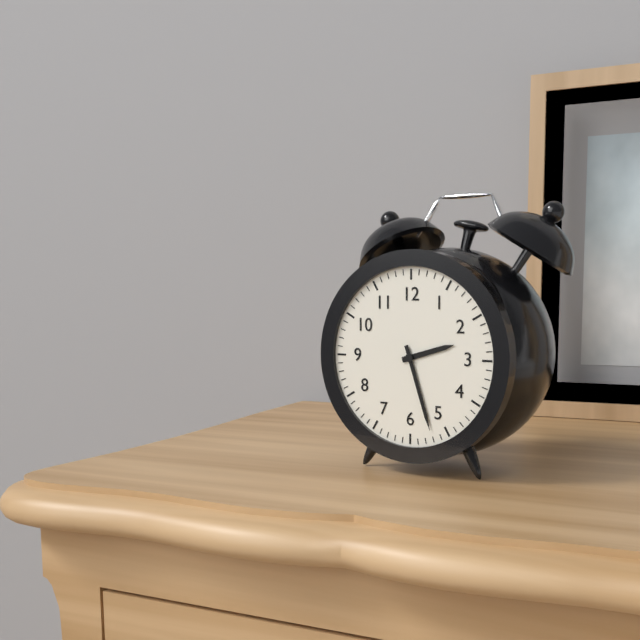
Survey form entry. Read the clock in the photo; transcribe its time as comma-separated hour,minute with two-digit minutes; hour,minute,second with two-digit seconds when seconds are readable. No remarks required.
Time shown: 2,27
